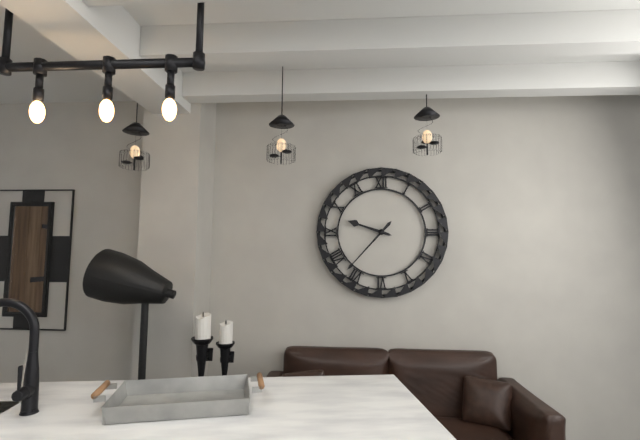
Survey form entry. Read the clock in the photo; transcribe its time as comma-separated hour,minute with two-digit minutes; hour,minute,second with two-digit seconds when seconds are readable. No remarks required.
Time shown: 9,37
